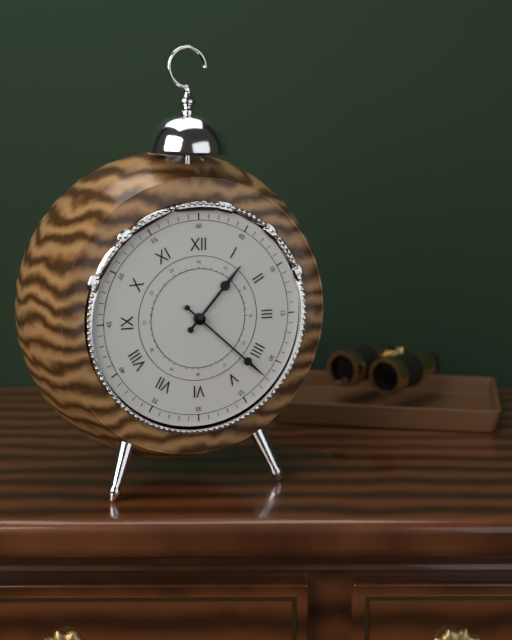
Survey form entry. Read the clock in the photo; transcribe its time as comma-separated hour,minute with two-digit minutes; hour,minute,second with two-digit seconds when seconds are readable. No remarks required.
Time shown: 1,22
